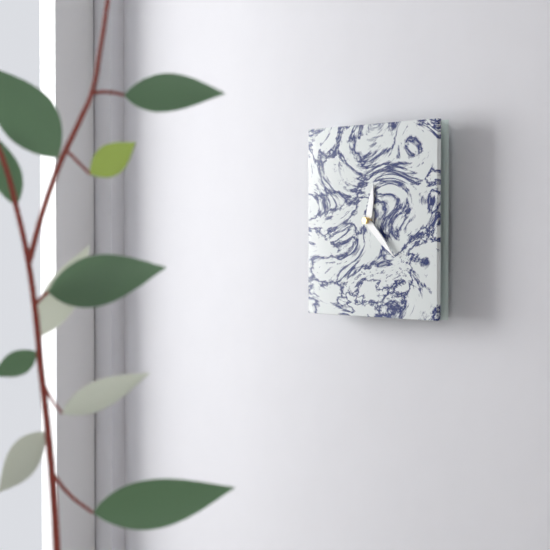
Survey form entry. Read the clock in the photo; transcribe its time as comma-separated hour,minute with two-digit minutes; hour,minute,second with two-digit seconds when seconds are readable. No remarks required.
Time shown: 12,22
